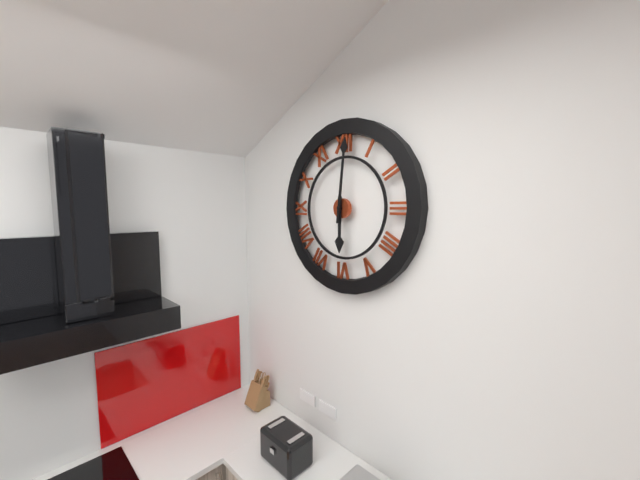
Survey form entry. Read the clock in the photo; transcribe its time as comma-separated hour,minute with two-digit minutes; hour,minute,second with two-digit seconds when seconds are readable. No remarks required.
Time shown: 6,01
